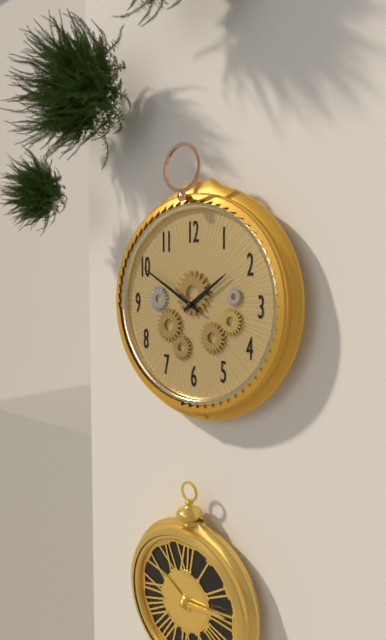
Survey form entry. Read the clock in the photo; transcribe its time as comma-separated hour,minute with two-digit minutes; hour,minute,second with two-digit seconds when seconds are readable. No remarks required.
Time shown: 1,50
